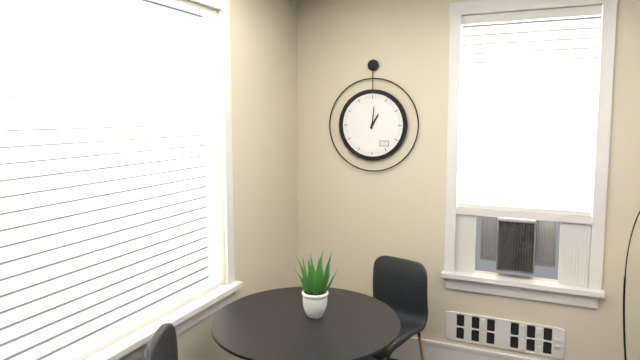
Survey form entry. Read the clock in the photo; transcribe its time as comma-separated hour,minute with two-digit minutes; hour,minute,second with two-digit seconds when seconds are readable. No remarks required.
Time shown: 1,01
